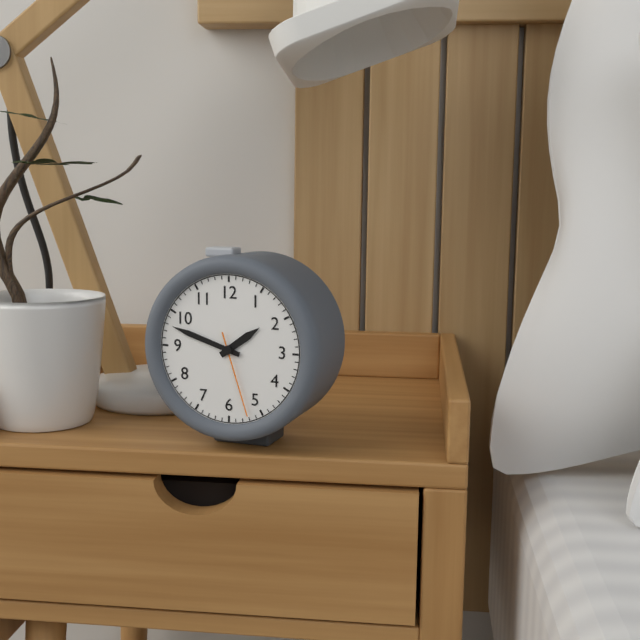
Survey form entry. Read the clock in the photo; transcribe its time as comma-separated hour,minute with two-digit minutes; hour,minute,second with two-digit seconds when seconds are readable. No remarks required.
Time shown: 1,48,27
